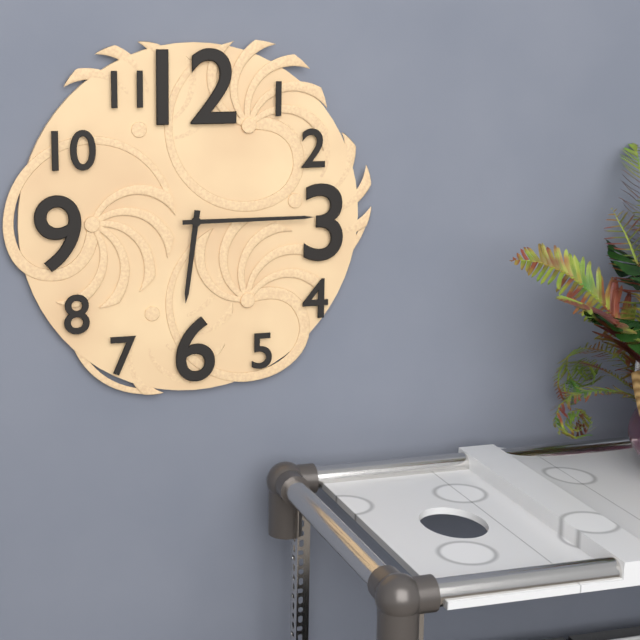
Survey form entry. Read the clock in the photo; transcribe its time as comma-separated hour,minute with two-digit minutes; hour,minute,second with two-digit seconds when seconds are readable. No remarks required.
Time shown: 6,15
